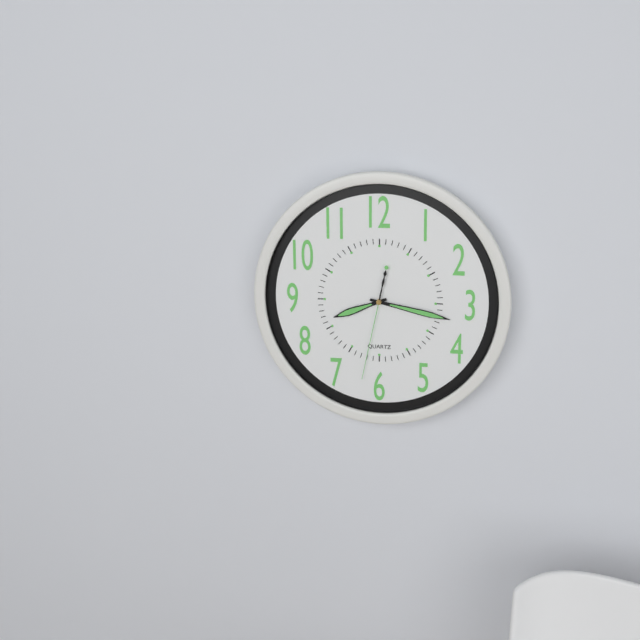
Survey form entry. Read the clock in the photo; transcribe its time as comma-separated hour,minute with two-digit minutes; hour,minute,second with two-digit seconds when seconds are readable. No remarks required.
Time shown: 8,17,32
